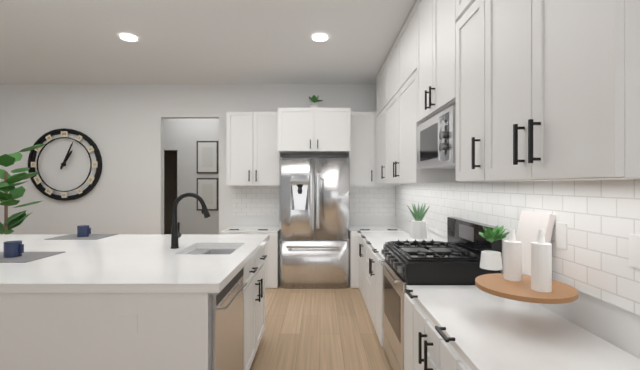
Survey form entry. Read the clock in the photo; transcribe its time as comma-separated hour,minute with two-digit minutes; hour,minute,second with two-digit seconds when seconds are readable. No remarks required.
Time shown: 1,04
